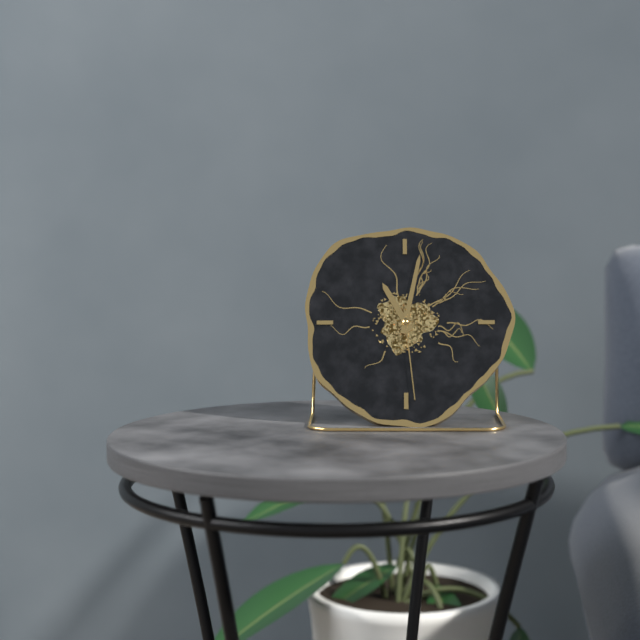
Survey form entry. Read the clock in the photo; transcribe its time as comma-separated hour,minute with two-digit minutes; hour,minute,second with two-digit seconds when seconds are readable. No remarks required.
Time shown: 11,02,29
